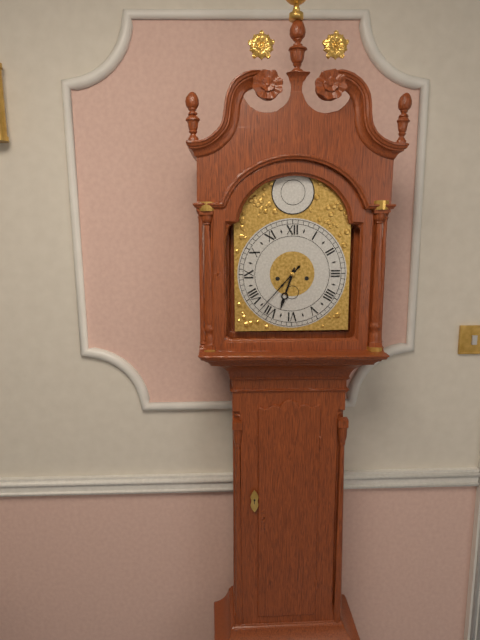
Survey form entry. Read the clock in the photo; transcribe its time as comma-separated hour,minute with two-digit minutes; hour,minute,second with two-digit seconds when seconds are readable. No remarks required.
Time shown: 6,37
